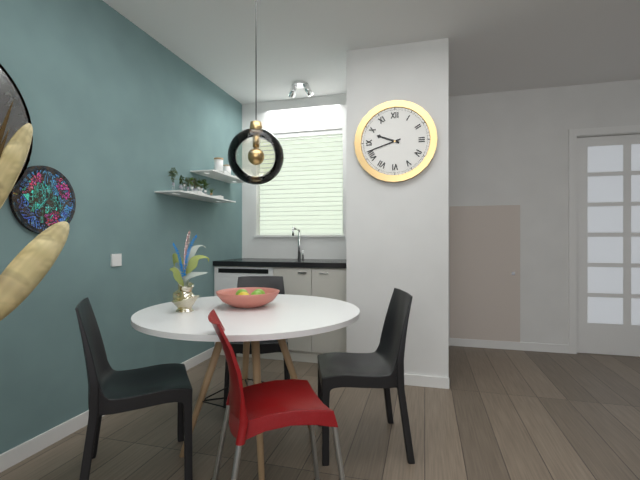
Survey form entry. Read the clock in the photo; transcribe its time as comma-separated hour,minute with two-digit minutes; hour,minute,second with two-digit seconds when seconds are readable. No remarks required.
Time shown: 9,42
